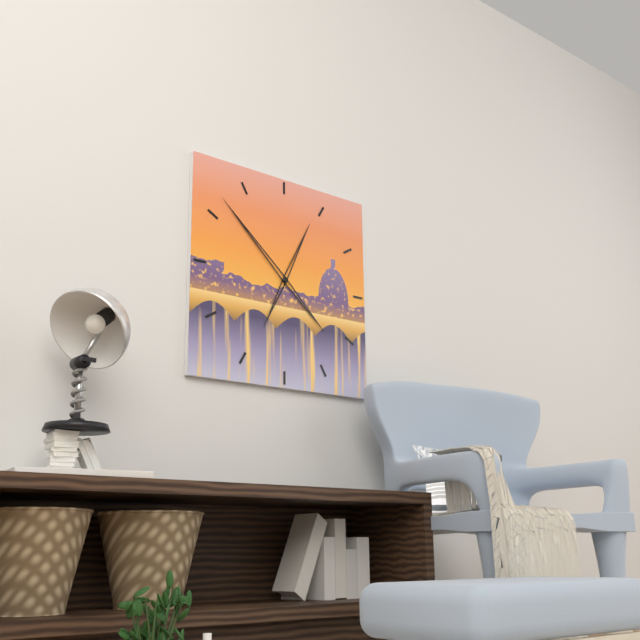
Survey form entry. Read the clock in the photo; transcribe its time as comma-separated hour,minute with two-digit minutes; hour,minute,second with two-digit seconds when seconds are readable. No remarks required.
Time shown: 12,52
